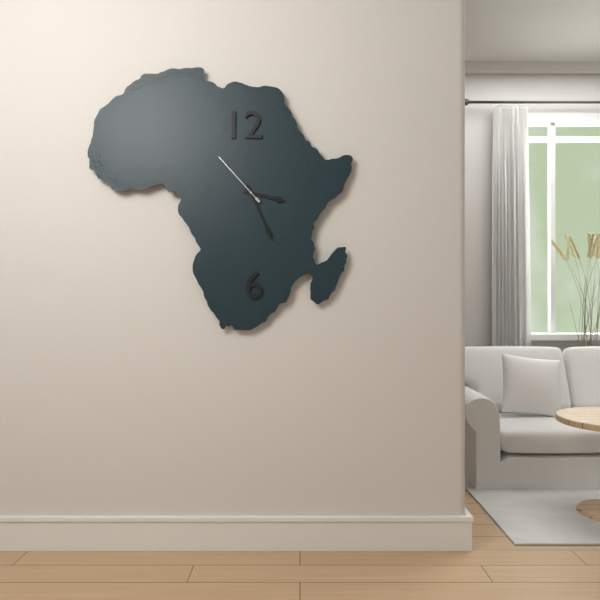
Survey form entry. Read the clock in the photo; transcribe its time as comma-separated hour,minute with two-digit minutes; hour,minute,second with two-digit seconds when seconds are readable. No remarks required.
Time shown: 3,26,53
